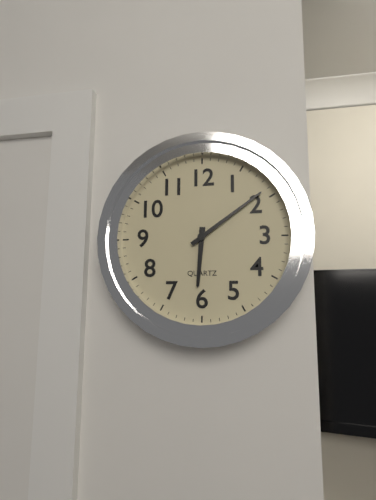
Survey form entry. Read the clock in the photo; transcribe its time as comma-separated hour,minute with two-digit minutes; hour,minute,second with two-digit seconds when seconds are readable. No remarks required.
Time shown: 6,09
